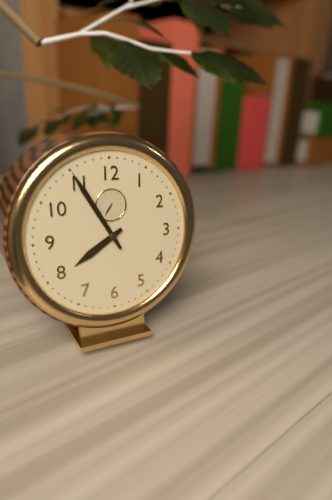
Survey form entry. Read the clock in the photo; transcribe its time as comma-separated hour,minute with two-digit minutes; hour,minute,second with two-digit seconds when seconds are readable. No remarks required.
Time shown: 7,55
